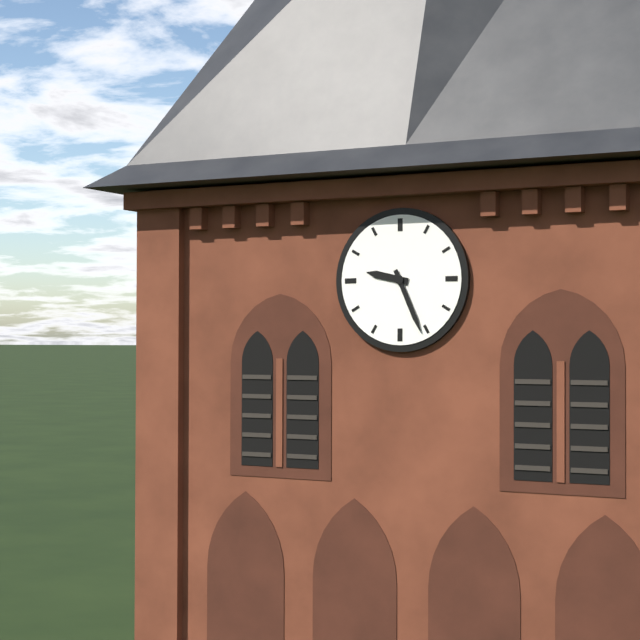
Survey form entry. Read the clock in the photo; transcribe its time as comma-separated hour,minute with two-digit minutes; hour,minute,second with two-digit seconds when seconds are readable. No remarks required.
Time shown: 9,26
